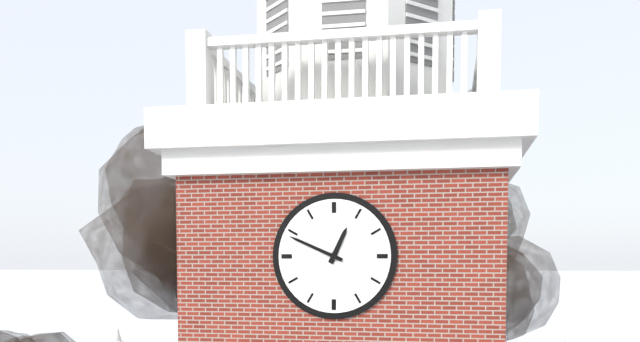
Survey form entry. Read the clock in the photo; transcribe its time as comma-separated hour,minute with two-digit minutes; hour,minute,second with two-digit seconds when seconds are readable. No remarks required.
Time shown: 12,49
